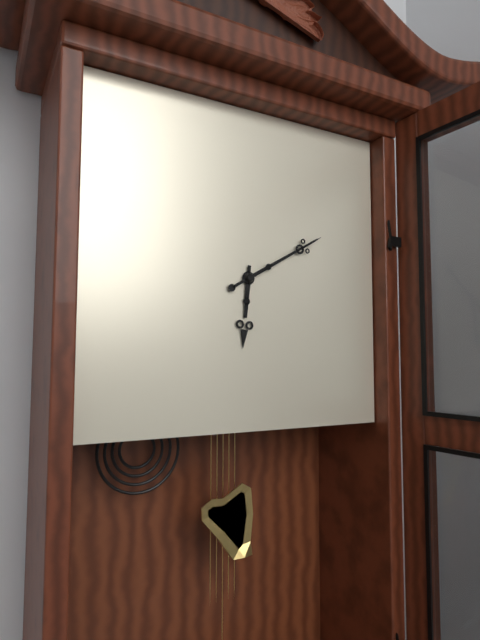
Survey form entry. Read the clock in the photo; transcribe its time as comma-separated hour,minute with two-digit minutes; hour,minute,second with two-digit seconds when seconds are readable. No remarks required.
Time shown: 6,10
